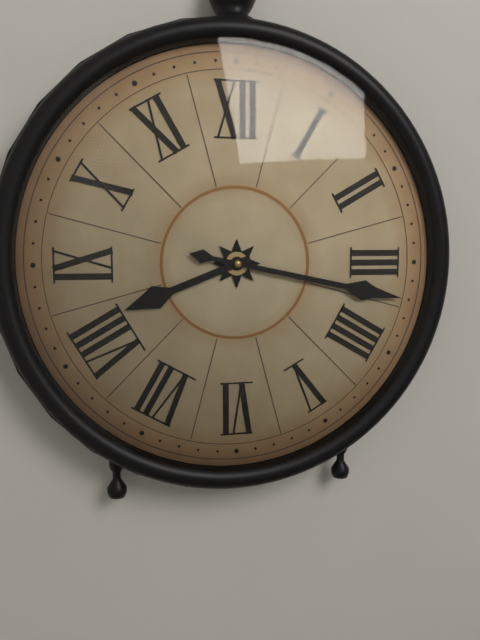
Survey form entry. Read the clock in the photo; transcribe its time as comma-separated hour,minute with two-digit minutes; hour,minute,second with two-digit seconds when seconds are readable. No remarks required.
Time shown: 8,17
